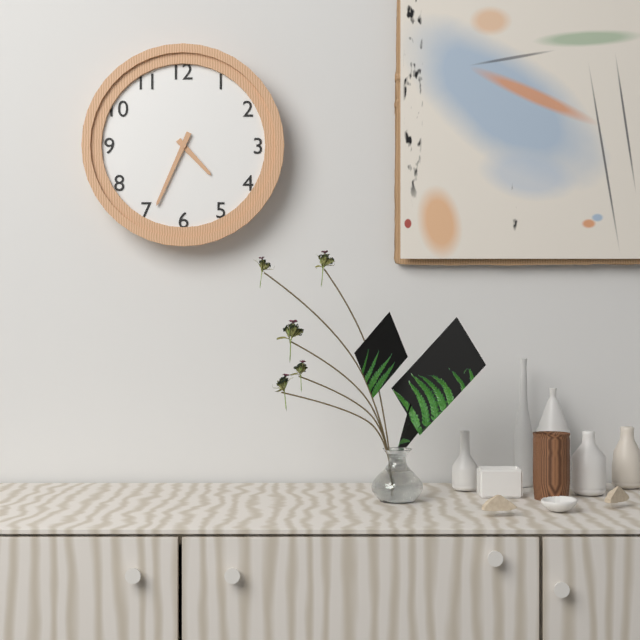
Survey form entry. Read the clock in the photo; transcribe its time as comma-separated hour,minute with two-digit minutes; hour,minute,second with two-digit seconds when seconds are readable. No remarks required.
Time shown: 4,34
